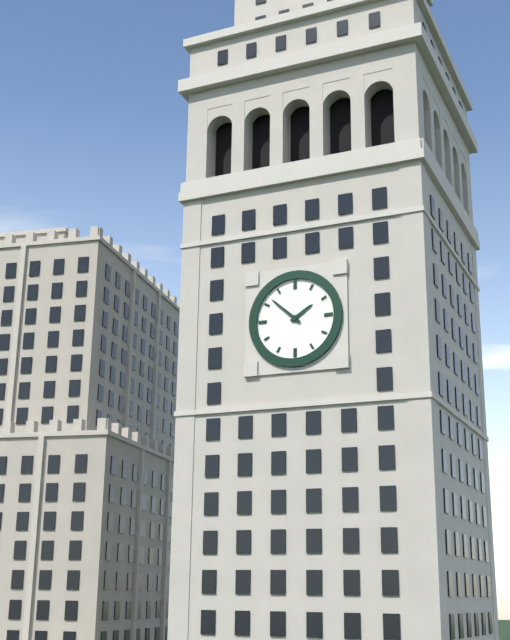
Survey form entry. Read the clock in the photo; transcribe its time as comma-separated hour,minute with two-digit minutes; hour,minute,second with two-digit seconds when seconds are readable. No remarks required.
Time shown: 1,52
